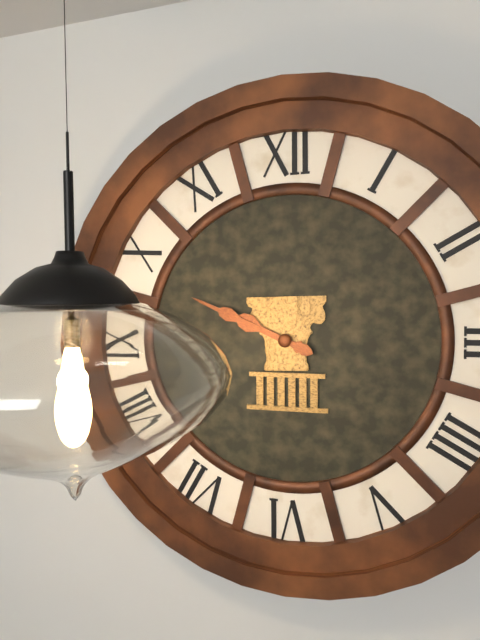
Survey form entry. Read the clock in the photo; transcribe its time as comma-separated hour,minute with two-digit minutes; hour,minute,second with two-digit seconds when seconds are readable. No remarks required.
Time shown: 9,49
